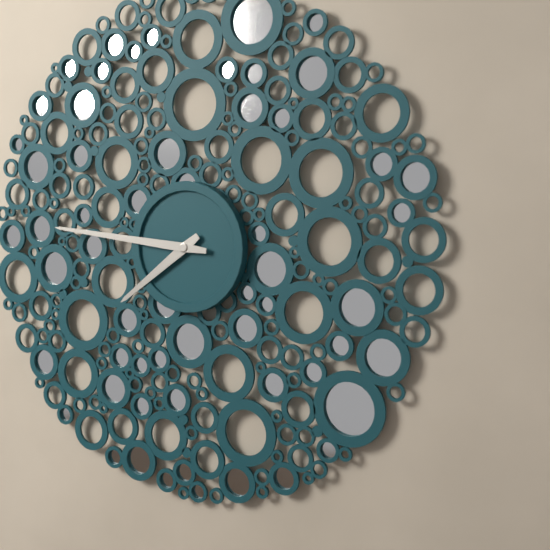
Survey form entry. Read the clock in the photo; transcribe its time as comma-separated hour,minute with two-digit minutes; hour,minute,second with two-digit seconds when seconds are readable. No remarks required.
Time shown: 7,46
